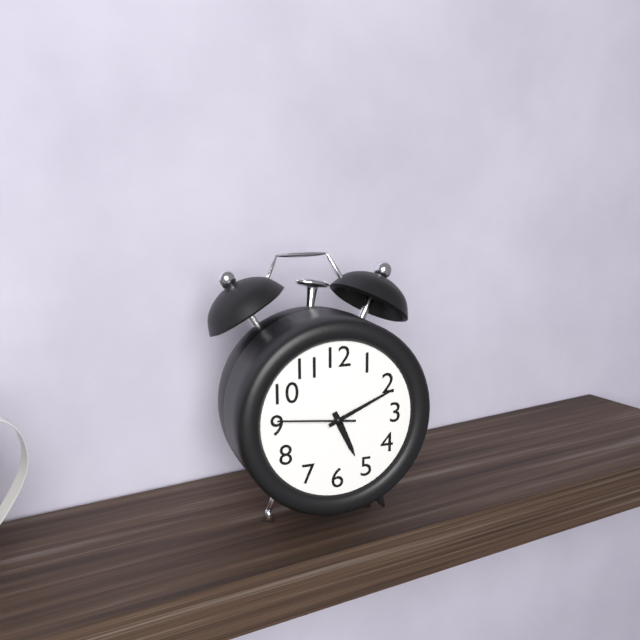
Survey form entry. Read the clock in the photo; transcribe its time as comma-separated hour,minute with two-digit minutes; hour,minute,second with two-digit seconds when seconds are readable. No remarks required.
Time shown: 5,11,46
